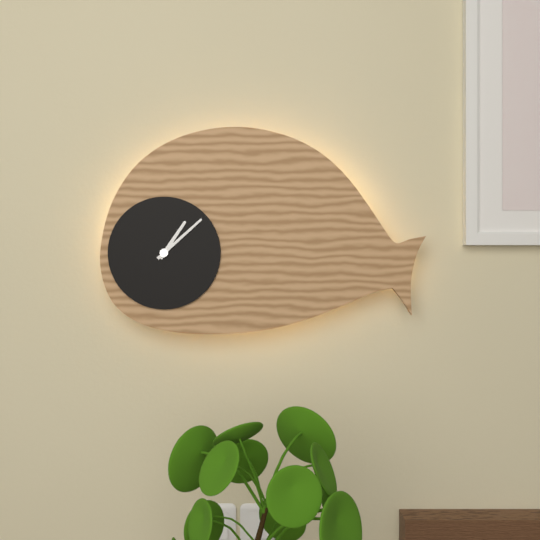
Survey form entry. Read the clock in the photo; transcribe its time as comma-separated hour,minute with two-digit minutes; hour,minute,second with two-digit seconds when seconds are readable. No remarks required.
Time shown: 1,08
